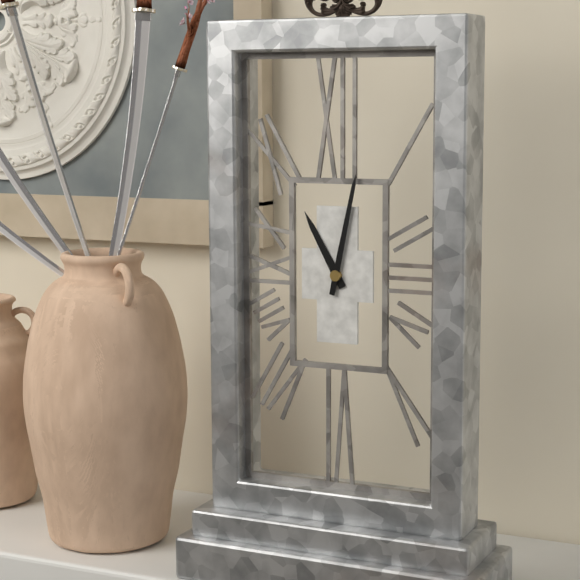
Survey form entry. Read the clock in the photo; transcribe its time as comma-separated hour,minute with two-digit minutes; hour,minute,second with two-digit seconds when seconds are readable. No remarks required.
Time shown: 11,02
